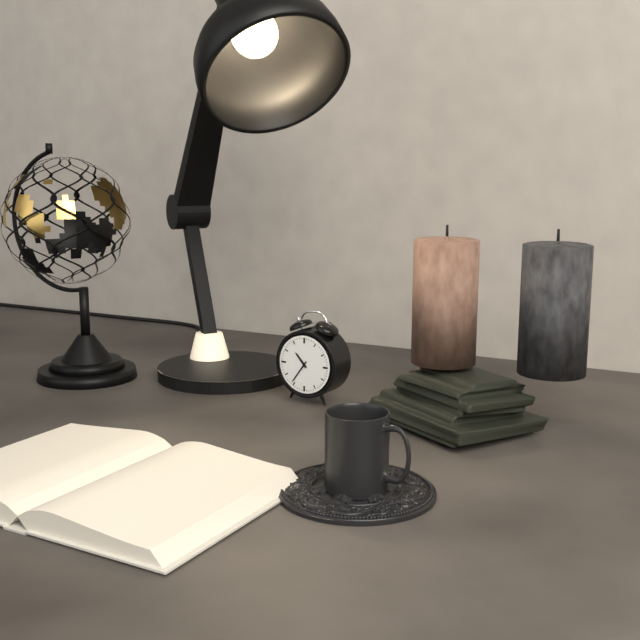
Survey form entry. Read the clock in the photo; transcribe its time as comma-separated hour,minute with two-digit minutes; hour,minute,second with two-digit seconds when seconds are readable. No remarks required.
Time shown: 10,36
